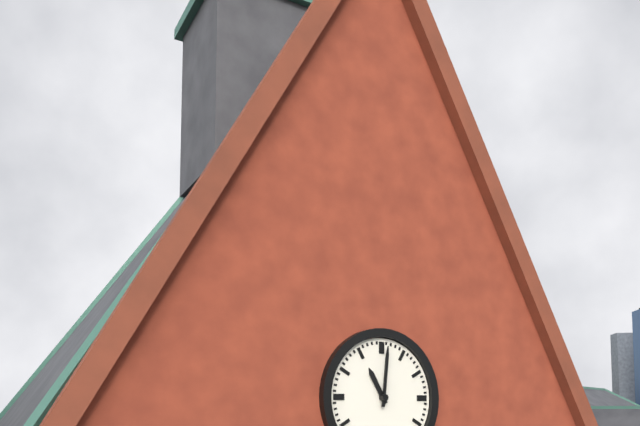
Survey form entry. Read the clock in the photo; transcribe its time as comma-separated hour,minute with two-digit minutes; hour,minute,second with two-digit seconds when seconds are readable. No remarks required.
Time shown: 11,01
